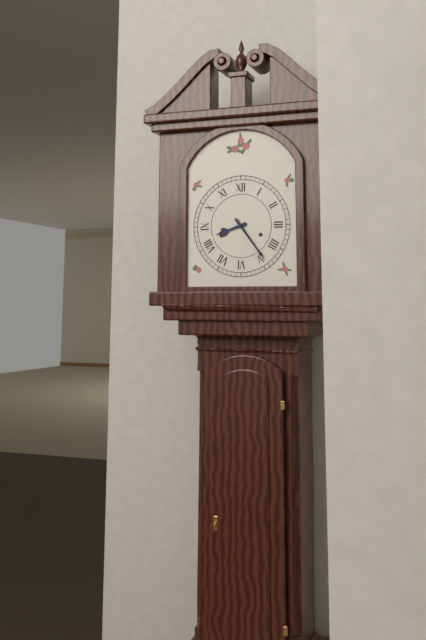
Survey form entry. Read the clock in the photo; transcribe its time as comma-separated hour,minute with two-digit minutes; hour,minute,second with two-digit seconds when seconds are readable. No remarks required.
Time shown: 8,24
